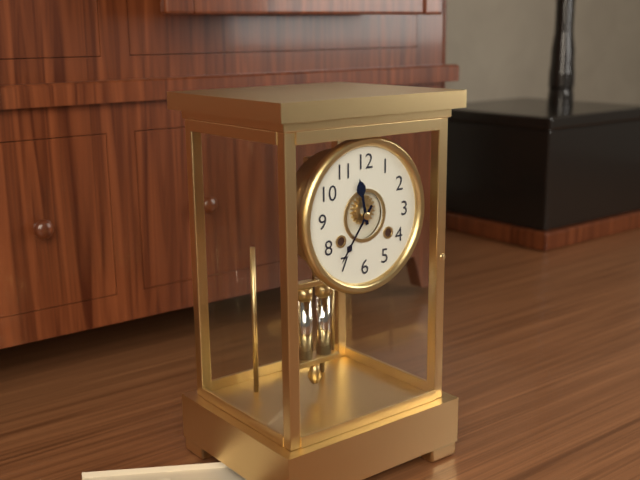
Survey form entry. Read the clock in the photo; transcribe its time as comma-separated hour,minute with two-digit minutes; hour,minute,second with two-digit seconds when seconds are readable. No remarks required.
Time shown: 11,36
